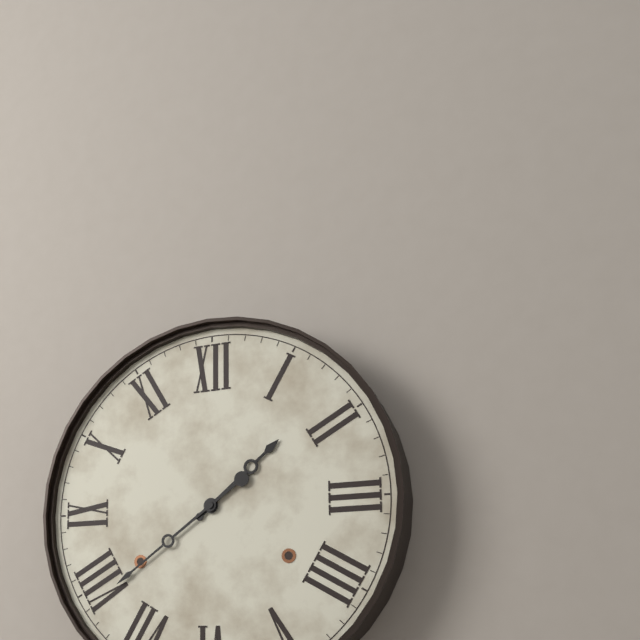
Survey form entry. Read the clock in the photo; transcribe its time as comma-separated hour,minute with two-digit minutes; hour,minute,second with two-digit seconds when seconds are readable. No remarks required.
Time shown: 1,39
